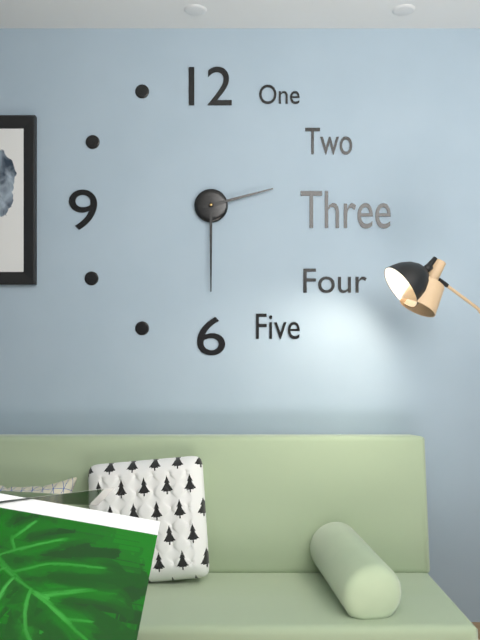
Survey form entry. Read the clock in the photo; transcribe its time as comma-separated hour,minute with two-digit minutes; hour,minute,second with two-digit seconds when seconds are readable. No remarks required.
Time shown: 2,30
